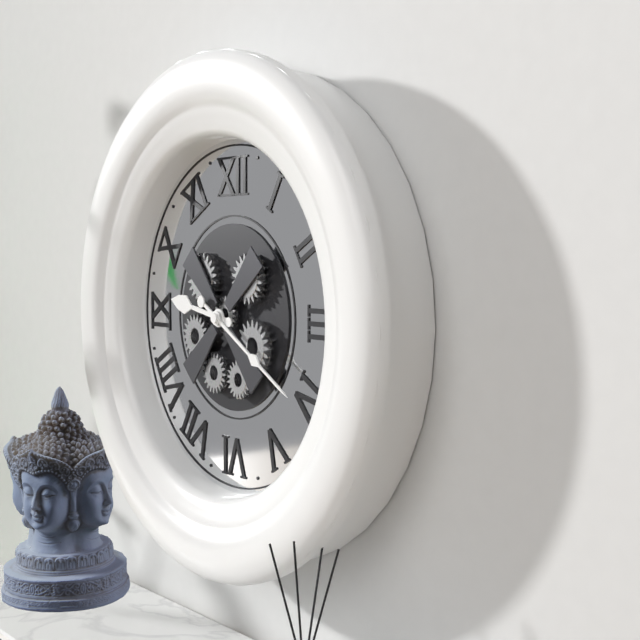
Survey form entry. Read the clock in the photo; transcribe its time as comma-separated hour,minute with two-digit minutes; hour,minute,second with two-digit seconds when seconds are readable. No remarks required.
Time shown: 9,20
